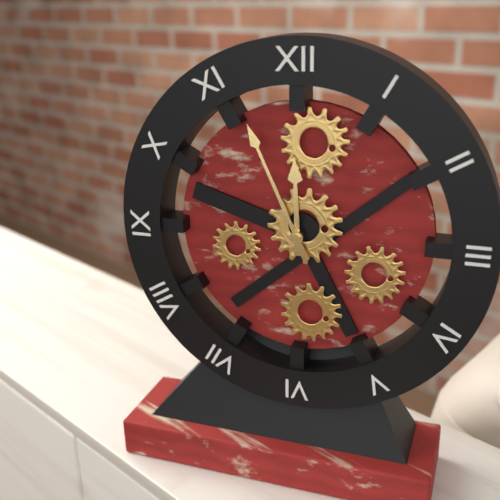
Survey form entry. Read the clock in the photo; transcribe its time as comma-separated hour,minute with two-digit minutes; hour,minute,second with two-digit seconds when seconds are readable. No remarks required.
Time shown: 11,56
